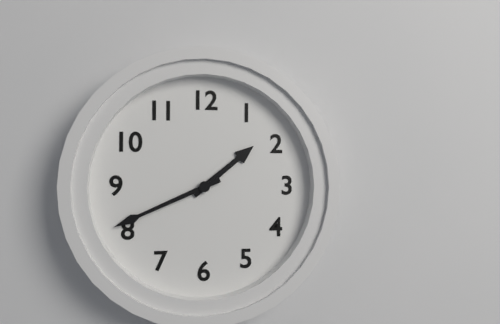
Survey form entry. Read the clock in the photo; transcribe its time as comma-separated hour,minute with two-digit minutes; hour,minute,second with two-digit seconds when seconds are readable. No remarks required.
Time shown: 1,41
